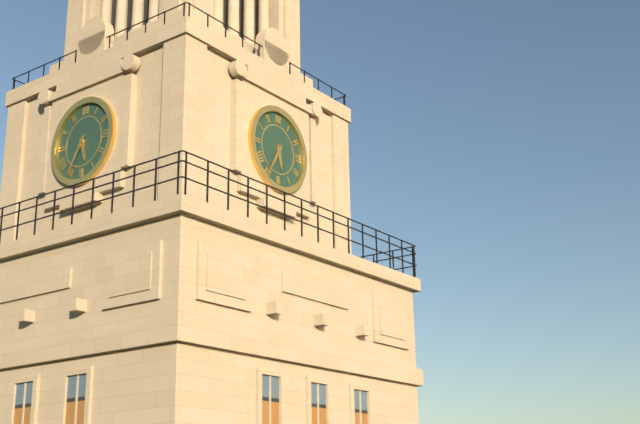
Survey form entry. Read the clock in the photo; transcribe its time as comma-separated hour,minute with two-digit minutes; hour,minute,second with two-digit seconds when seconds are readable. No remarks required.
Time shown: 5,35
